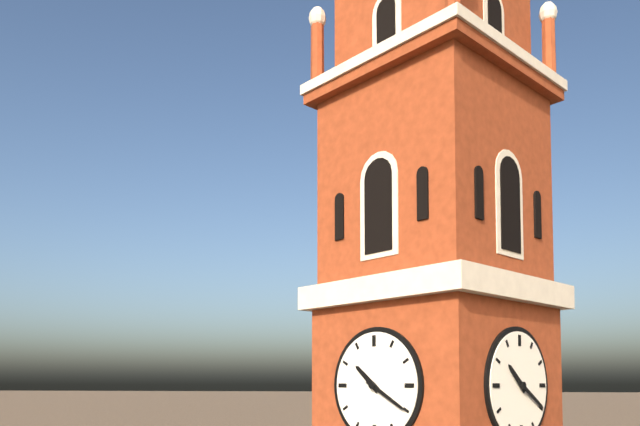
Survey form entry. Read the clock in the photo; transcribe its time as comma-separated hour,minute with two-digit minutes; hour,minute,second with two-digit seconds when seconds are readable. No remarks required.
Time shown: 10,20
